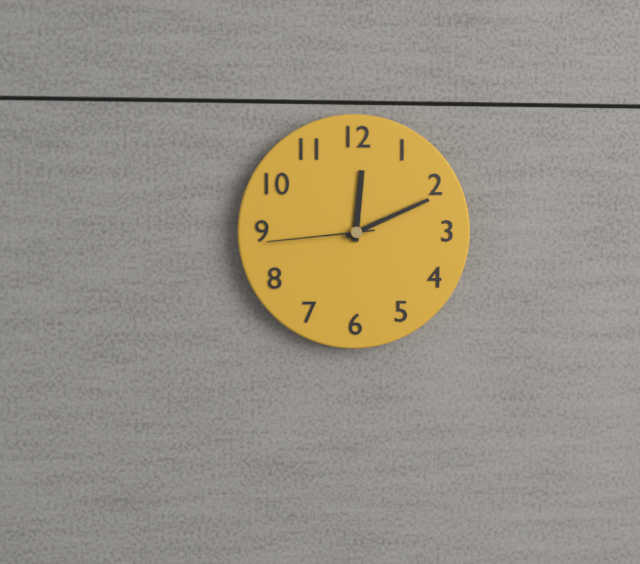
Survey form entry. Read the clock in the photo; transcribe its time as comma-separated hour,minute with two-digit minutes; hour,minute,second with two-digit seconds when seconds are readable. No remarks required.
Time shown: 12,11,44
